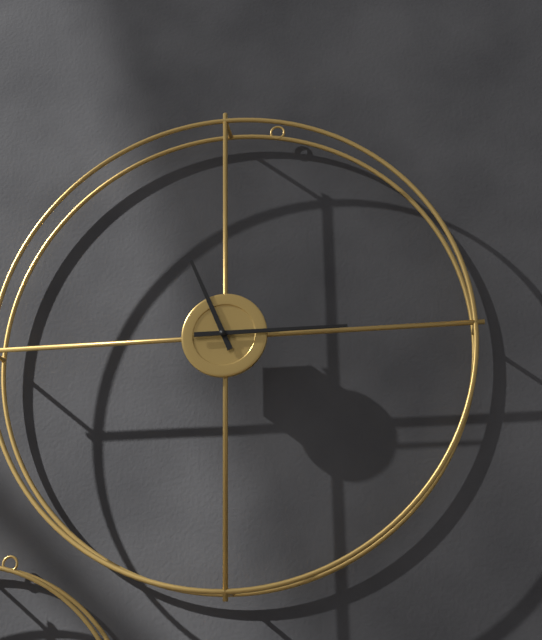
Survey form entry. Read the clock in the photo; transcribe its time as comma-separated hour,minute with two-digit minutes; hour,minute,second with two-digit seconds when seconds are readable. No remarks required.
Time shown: 11,15
